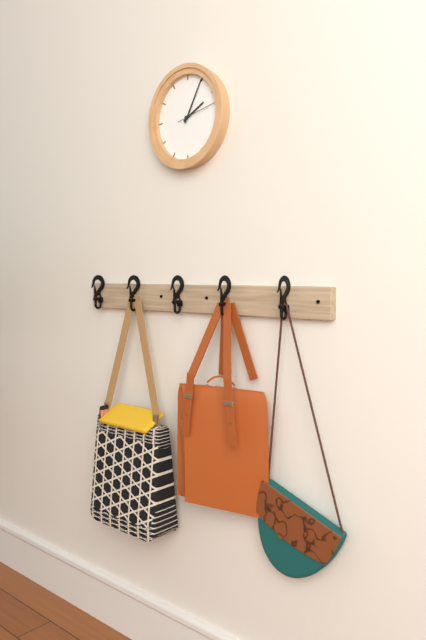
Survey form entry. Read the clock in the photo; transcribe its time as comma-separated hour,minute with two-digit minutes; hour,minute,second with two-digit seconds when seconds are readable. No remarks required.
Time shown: 2,05
